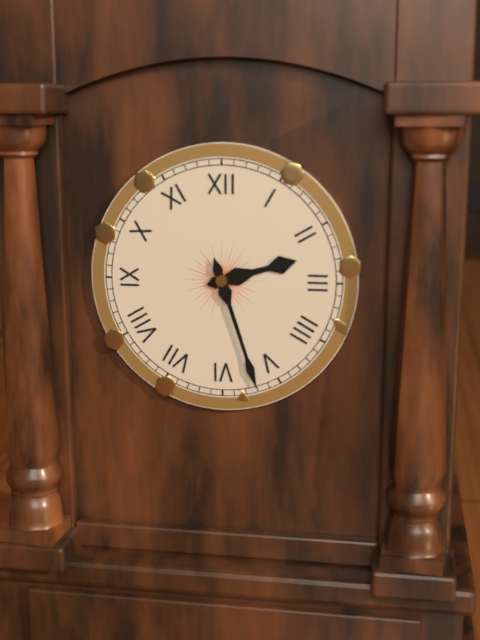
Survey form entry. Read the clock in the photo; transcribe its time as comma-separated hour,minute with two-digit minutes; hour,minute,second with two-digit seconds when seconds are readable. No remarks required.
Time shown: 2,27
